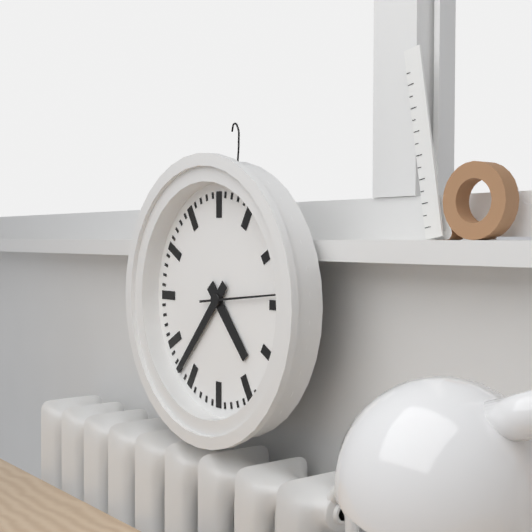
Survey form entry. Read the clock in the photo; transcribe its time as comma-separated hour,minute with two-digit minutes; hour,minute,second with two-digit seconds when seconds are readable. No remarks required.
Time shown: 4,37,14
